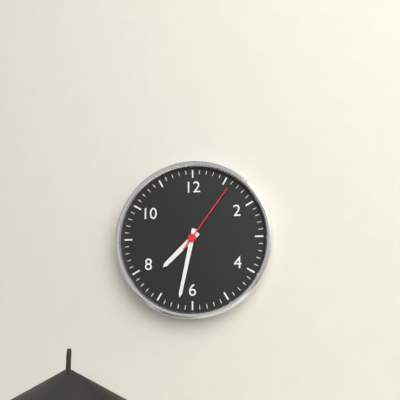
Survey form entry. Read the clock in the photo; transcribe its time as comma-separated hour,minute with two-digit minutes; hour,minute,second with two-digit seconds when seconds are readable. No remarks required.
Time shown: 7,32,06
